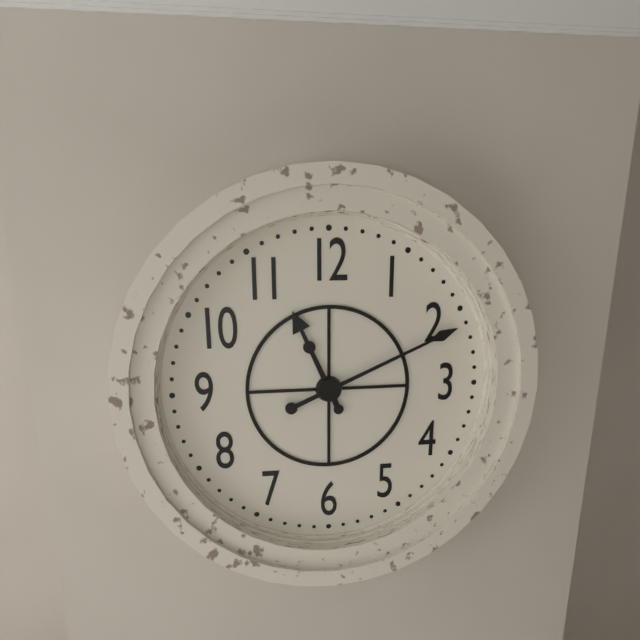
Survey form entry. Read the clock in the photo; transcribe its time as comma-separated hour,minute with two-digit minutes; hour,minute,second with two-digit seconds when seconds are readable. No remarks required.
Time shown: 11,11
